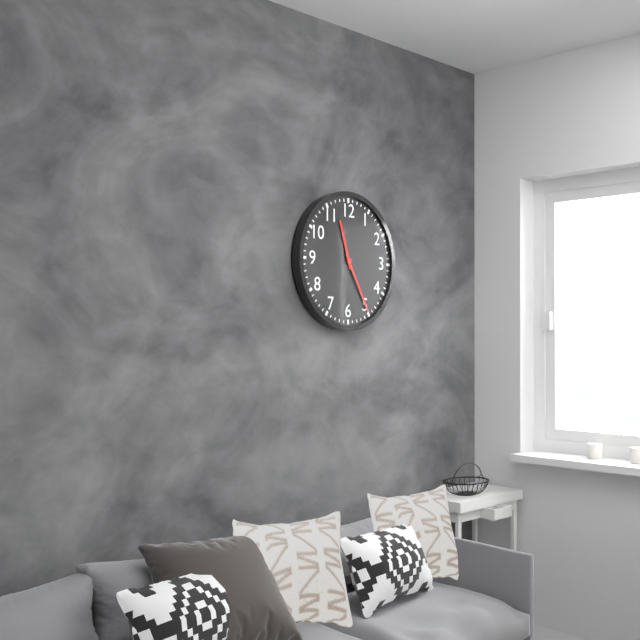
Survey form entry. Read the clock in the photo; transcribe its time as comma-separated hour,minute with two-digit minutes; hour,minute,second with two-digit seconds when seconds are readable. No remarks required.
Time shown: 11,25
